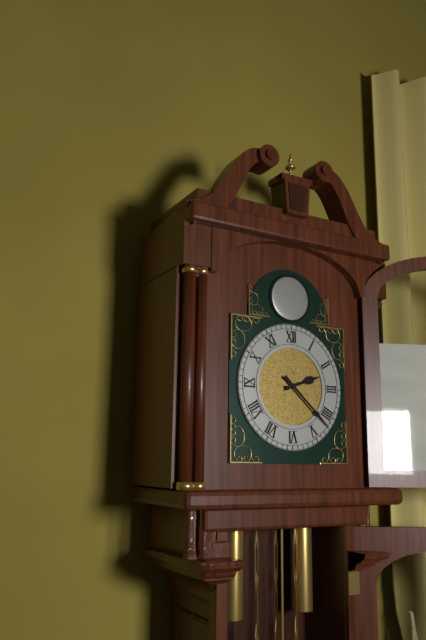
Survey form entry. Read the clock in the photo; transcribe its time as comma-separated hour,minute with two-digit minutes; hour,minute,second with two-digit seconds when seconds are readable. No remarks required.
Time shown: 2,22
